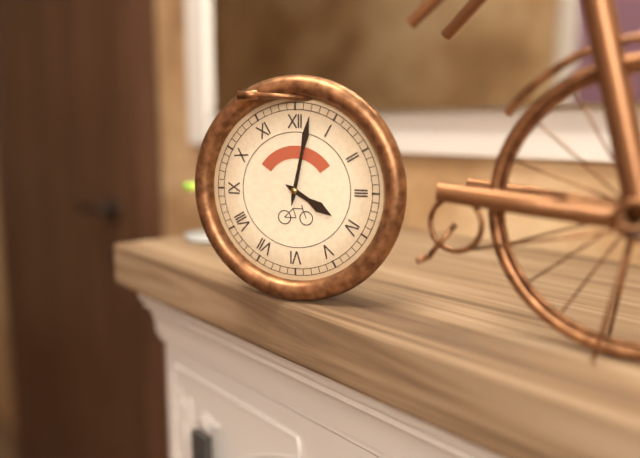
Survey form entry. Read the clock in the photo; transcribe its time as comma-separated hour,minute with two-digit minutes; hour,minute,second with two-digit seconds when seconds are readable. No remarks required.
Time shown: 4,02
